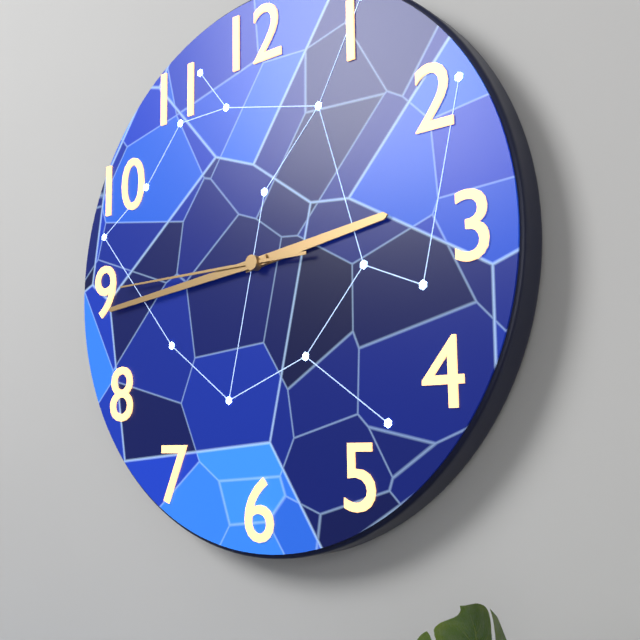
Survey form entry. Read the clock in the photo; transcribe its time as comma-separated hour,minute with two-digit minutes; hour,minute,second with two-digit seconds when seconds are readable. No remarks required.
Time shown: 2,44,45
